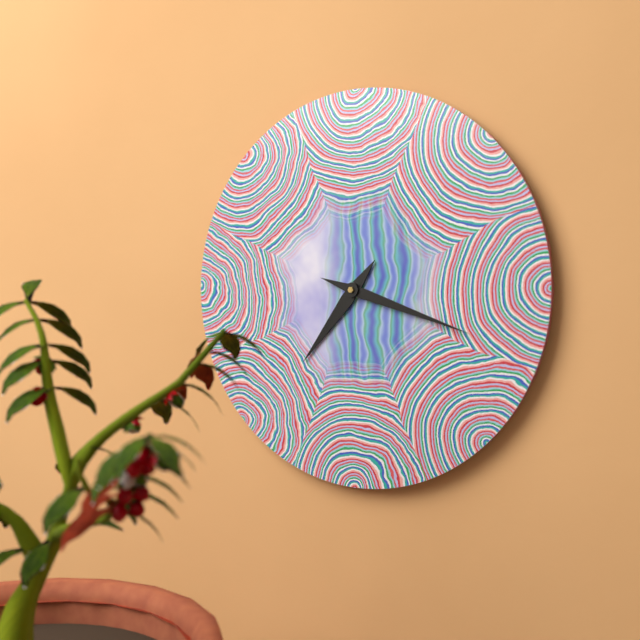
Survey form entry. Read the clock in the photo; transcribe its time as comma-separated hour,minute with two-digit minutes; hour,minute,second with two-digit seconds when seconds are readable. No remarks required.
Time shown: 7,18
